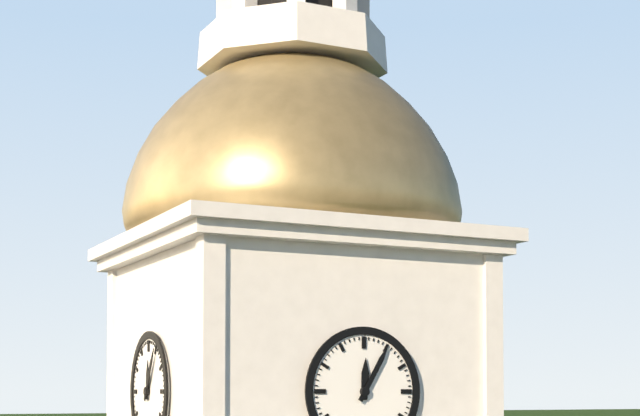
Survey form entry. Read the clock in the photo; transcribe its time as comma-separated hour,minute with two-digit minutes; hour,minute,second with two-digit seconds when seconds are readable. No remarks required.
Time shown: 12,05
